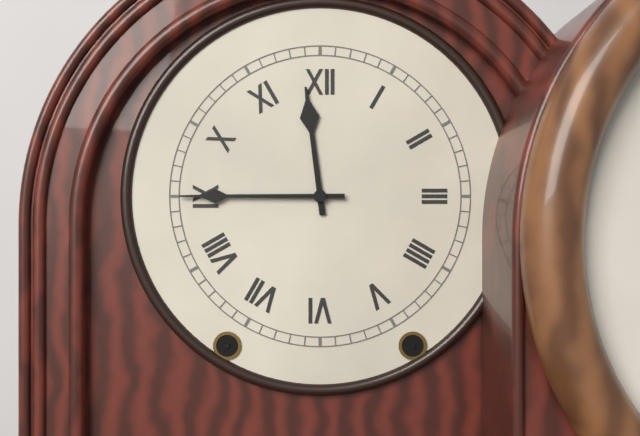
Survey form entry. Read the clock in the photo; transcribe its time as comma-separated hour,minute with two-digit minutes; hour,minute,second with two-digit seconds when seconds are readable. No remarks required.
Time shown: 11,45
